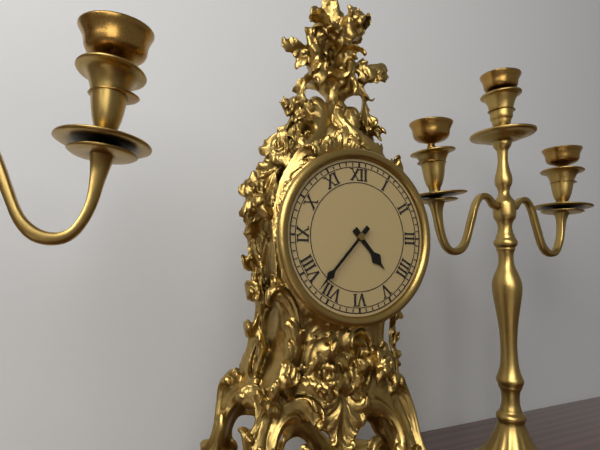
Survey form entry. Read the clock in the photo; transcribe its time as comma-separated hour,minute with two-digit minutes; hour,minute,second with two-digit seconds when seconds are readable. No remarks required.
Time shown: 4,37
